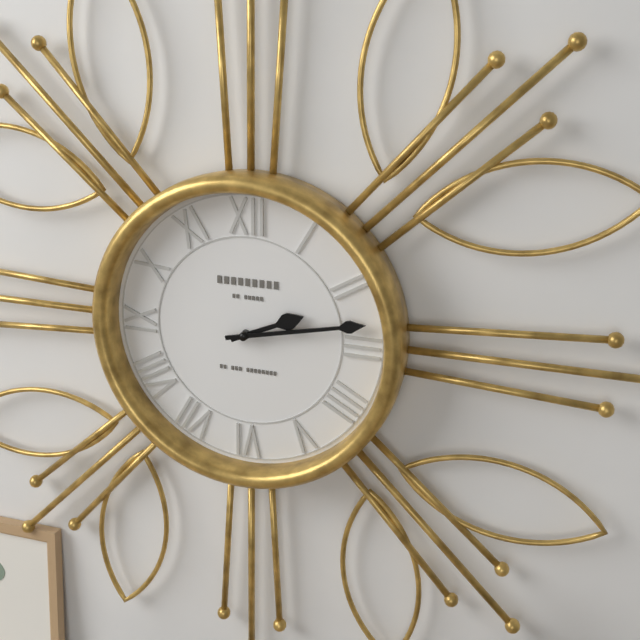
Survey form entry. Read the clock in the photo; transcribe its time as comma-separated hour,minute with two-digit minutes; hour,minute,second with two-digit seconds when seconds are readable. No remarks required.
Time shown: 2,13
